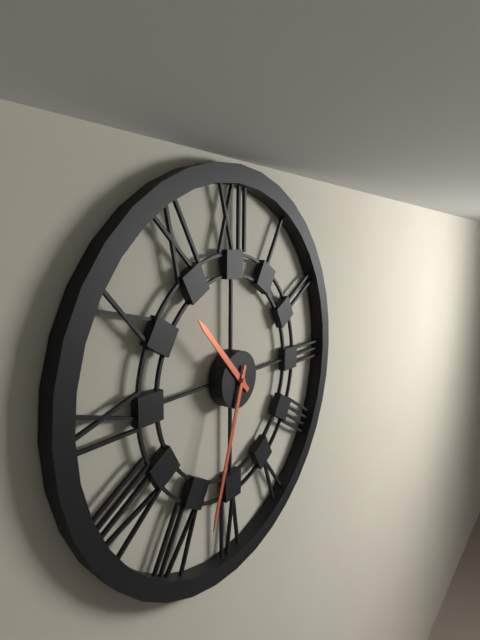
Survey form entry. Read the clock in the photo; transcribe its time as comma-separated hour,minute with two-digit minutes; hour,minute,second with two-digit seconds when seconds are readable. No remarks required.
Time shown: 10,33
